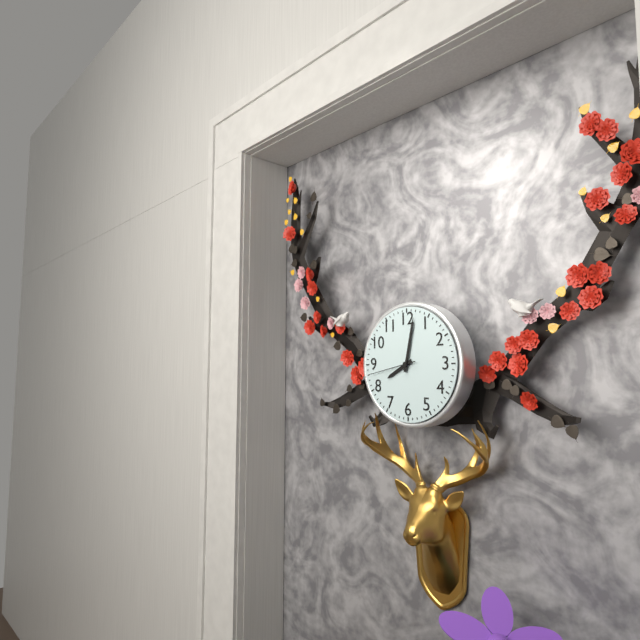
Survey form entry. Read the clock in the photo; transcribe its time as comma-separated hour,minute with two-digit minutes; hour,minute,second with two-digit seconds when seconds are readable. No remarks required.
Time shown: 8,02
